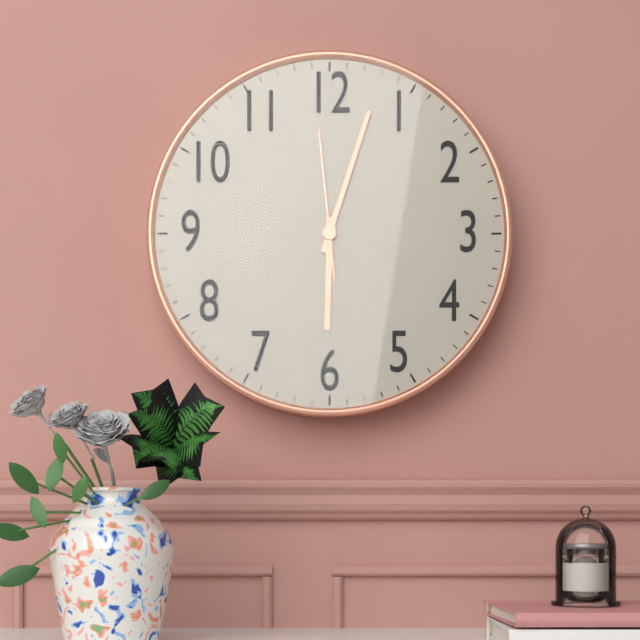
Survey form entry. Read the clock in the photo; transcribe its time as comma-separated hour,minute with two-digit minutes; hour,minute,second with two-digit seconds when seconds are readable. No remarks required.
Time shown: 6,03,59
